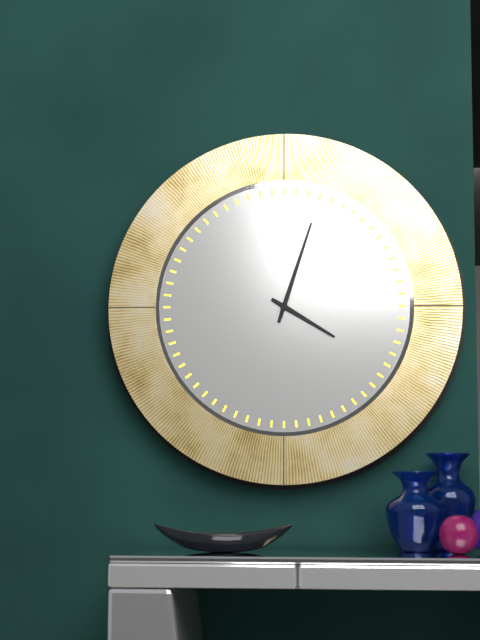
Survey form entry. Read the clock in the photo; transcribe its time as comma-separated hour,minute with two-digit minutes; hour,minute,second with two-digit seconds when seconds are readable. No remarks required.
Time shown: 4,03
